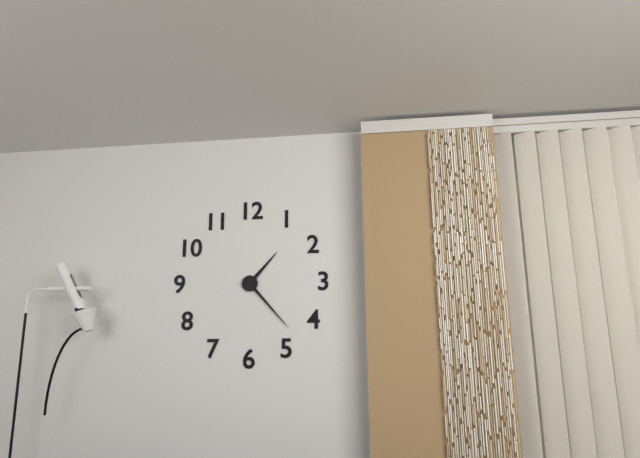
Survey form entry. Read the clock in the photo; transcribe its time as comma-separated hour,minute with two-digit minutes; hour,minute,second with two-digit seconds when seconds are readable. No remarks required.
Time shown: 1,23
